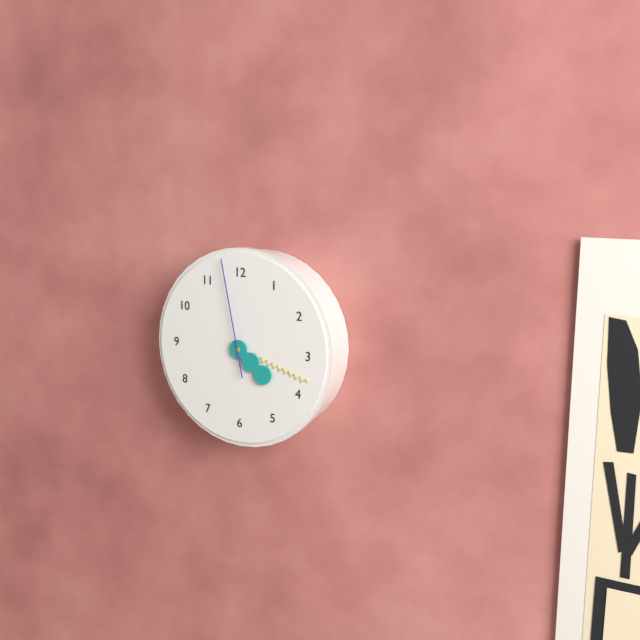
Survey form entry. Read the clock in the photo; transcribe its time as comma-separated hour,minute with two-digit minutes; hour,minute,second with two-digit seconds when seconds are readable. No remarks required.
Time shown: 4,18,58
